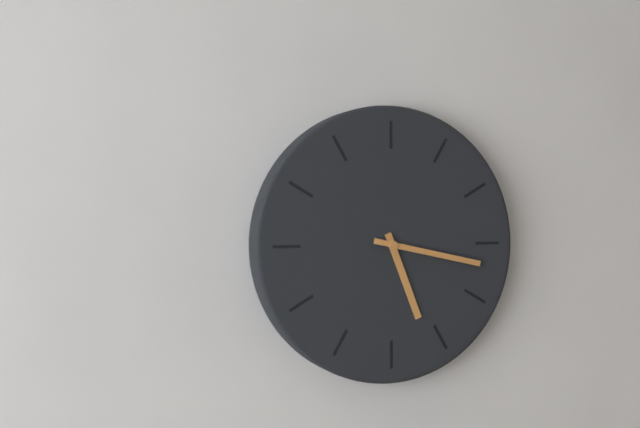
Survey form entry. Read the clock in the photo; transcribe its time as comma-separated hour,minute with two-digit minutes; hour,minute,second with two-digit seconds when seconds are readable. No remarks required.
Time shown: 5,17
